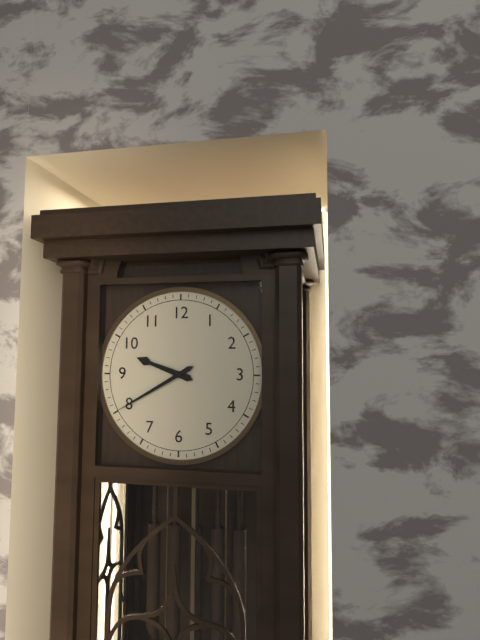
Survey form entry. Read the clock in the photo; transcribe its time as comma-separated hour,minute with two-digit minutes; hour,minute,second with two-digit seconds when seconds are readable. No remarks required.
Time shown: 9,40
